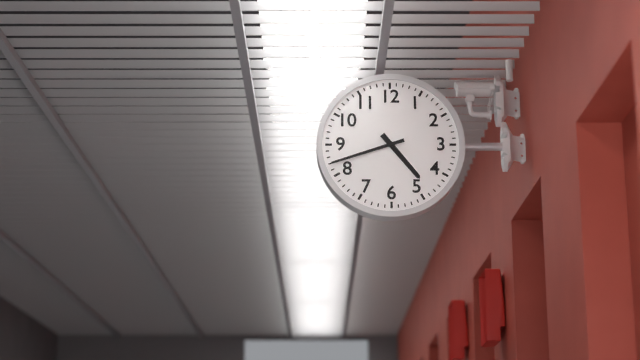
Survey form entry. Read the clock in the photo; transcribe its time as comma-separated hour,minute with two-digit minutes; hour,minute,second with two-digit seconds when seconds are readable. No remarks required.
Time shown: 4,42
